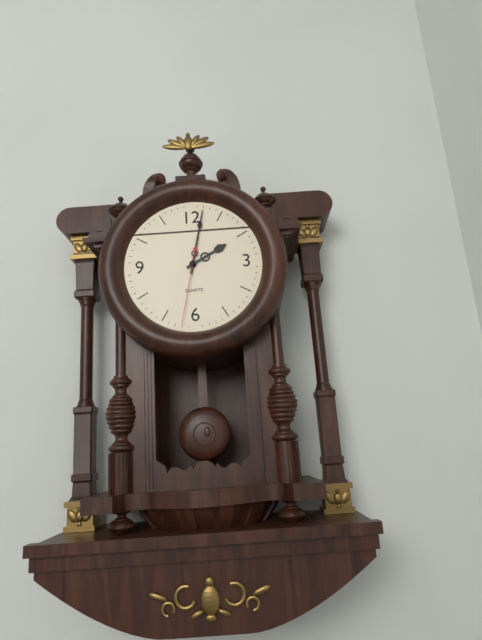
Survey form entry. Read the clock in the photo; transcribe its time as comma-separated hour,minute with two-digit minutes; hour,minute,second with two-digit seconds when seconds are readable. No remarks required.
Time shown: 2,02,32
